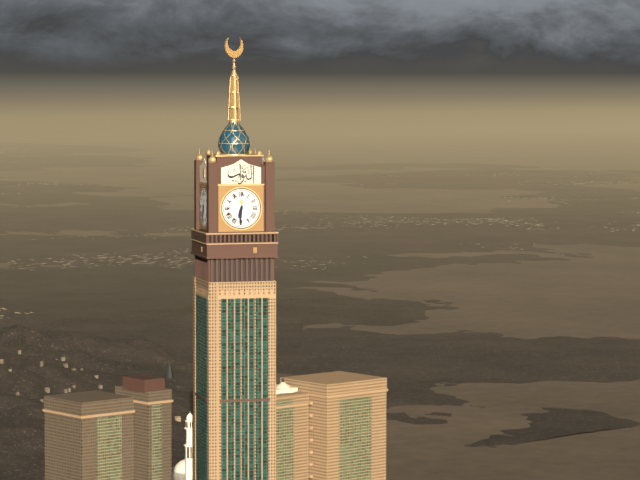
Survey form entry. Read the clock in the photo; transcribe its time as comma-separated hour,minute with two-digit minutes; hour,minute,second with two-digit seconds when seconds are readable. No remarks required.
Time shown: 6,31
